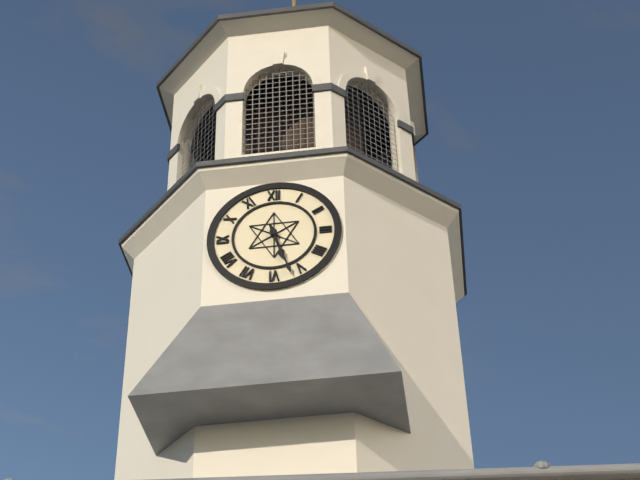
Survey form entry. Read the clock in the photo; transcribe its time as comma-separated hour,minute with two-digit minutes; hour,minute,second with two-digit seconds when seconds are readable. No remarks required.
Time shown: 5,27
